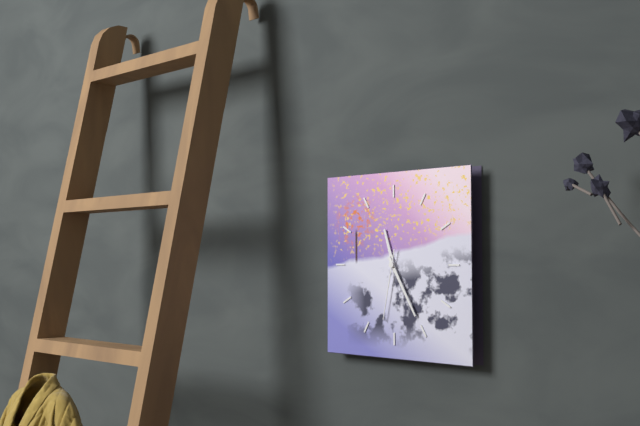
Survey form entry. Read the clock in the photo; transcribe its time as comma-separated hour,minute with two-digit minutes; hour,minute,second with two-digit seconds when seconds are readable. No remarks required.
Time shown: 11,25,32
